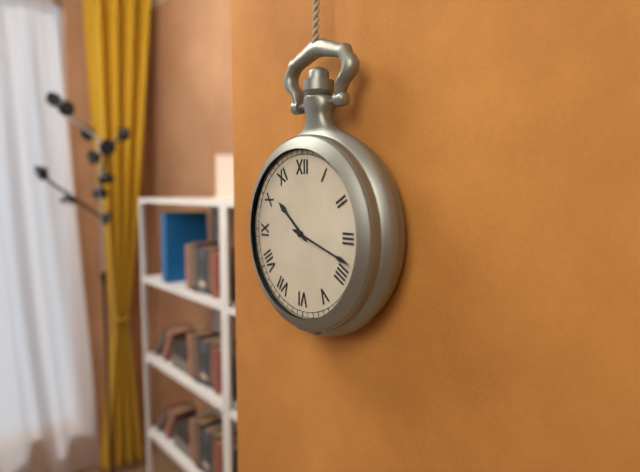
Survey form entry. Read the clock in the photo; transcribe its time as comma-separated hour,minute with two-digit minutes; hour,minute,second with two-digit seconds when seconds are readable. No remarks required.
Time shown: 10,18
